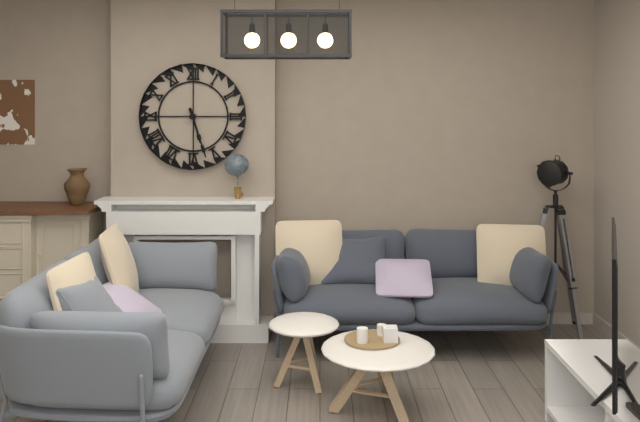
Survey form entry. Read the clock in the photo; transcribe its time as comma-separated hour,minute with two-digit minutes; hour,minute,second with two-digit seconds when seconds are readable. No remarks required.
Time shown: 5,27
